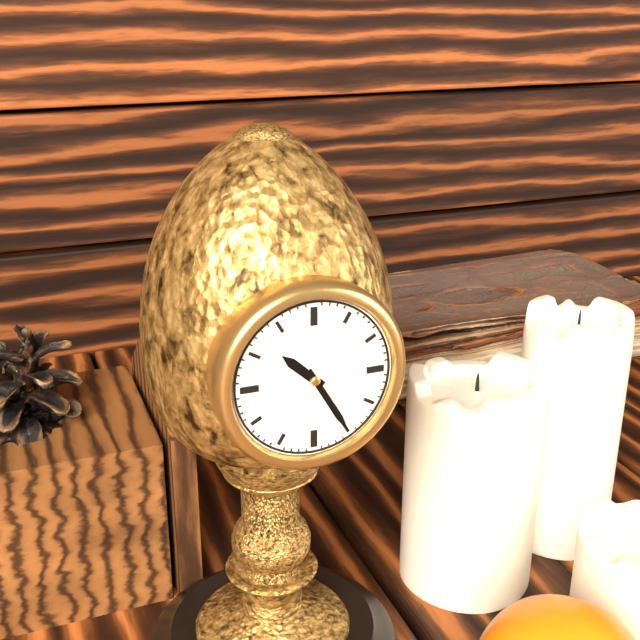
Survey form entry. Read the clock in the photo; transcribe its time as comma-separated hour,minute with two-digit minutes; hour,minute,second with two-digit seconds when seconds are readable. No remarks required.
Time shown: 10,25
